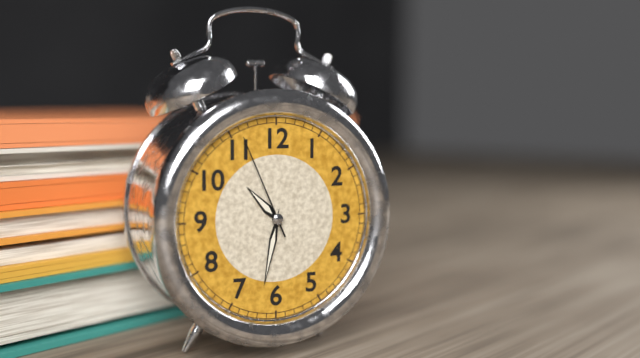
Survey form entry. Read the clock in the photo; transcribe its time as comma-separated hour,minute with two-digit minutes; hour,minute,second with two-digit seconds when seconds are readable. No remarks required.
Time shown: 10,32,56
